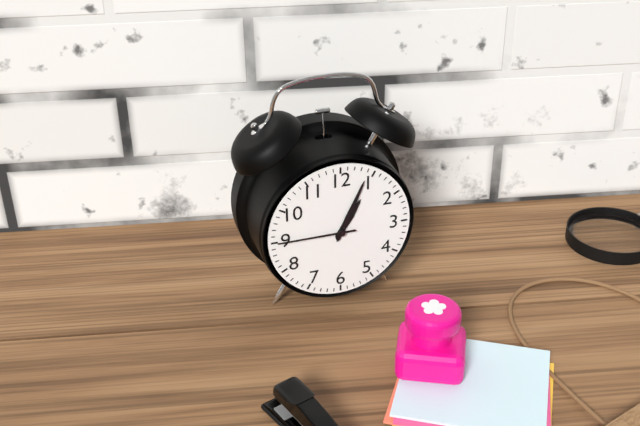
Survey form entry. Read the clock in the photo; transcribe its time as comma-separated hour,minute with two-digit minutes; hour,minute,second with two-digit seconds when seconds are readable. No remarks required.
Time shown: 1,04,45
